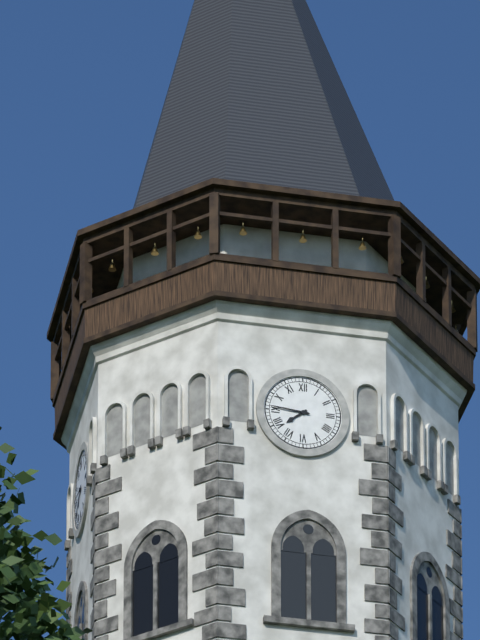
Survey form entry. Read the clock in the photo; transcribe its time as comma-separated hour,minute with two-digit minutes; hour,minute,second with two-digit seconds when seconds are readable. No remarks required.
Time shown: 7,46
